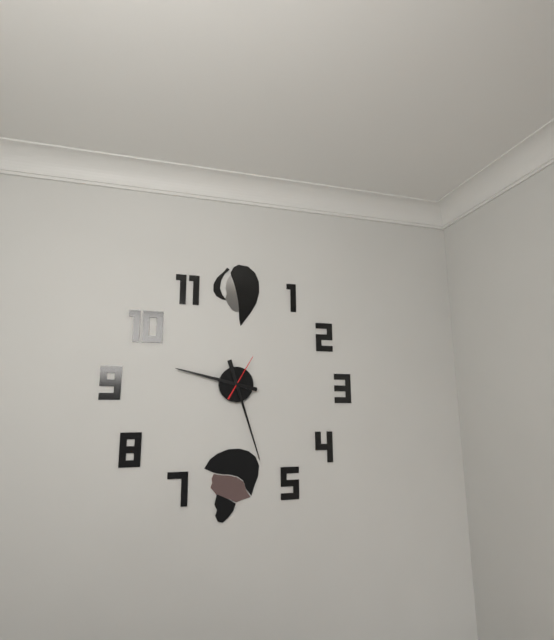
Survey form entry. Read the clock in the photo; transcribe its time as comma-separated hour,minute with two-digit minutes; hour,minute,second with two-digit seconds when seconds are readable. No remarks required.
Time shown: 9,27
